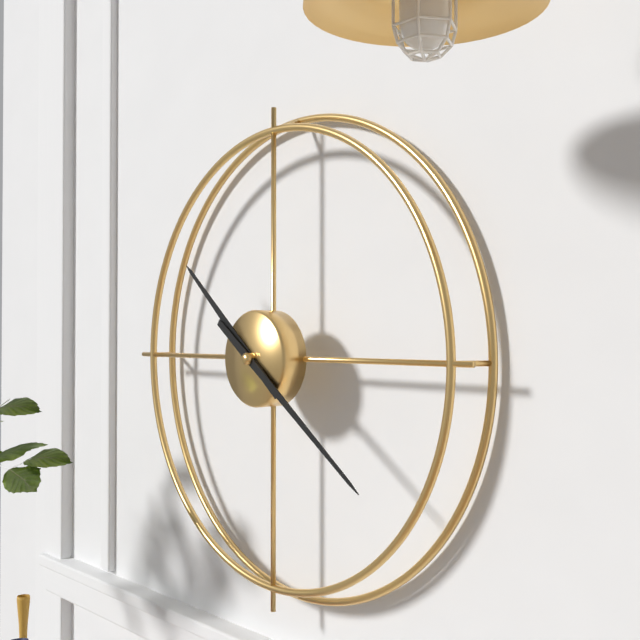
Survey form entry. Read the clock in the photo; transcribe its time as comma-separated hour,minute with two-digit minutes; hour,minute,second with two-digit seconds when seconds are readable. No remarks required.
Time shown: 10,21
